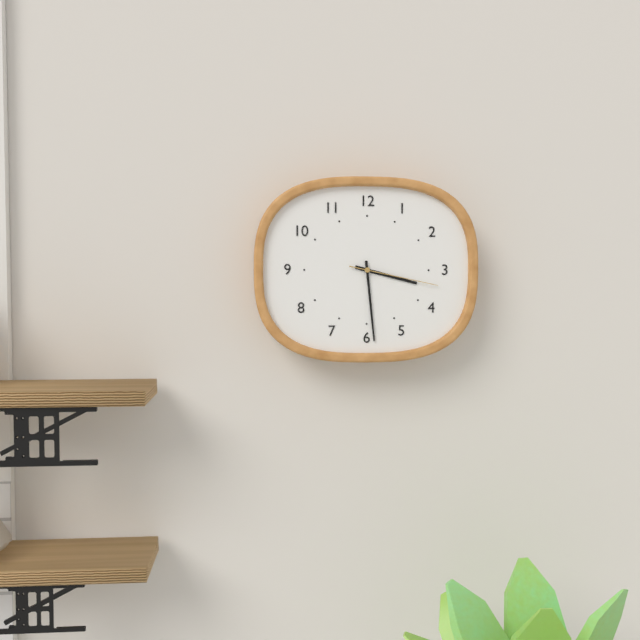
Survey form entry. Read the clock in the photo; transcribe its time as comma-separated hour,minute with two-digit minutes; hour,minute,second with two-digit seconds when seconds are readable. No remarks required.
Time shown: 3,29,17
